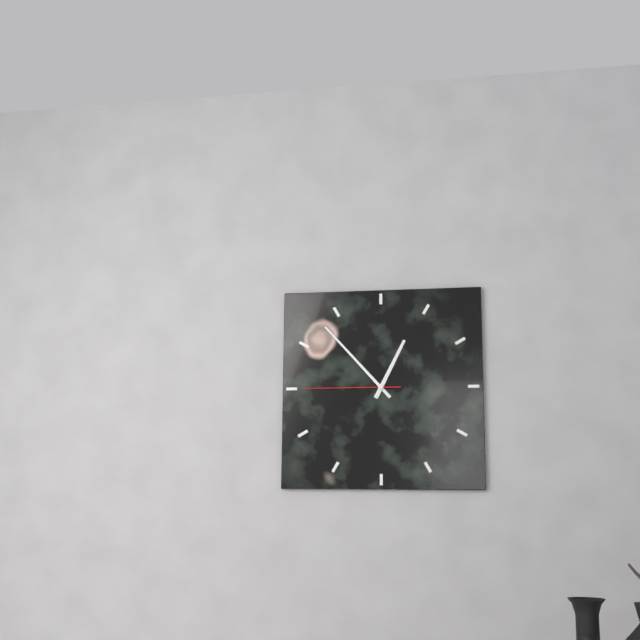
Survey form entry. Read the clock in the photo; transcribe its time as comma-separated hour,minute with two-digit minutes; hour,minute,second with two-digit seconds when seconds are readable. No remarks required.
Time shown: 12,53,45
